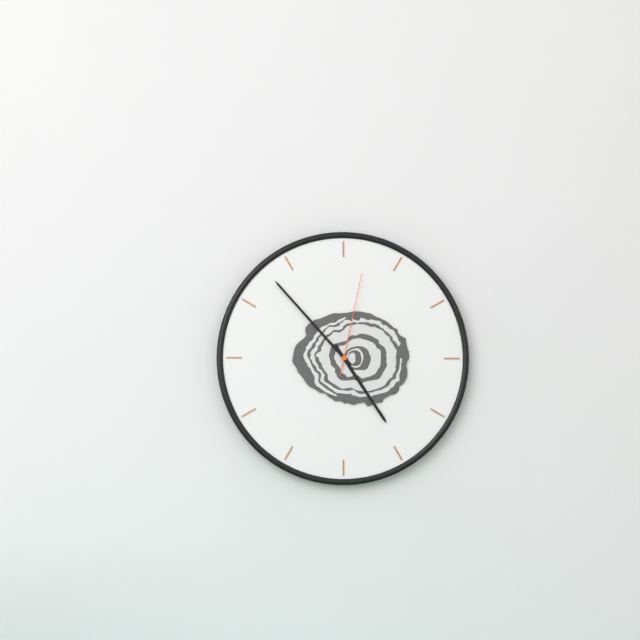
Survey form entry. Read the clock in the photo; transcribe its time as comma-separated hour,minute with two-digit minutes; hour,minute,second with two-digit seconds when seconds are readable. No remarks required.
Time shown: 4,53,02
